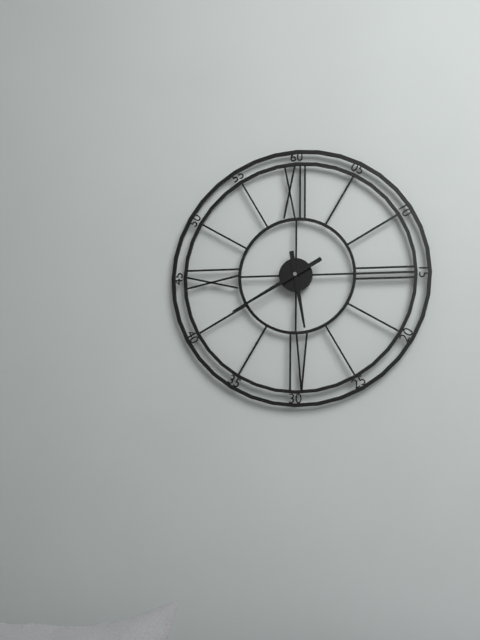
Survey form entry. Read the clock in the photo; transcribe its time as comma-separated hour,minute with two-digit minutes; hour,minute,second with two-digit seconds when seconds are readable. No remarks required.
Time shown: 5,40
